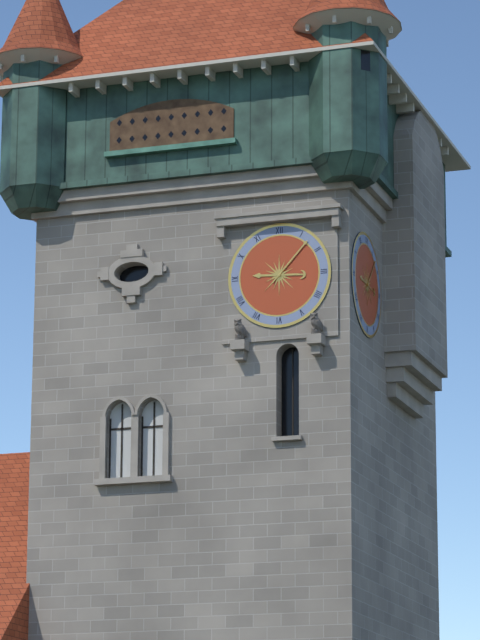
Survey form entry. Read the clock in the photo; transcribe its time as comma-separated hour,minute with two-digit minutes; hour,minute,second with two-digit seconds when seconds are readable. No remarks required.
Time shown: 9,07
